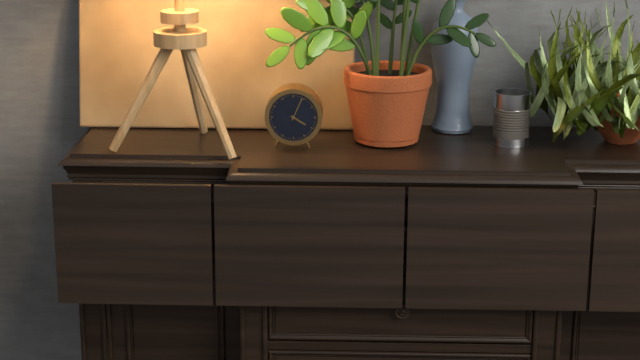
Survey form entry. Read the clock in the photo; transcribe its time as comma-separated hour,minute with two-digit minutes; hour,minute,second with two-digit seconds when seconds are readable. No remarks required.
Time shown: 4,04
